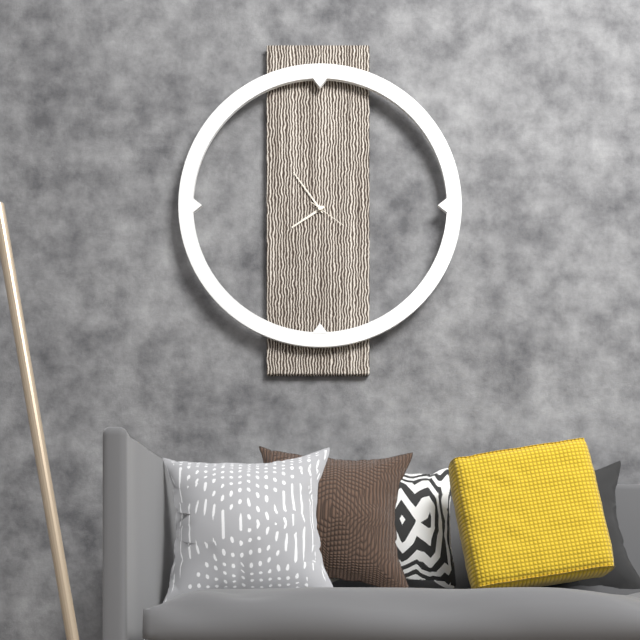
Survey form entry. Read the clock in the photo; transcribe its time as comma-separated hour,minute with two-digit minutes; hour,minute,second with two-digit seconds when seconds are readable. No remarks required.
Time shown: 7,54
